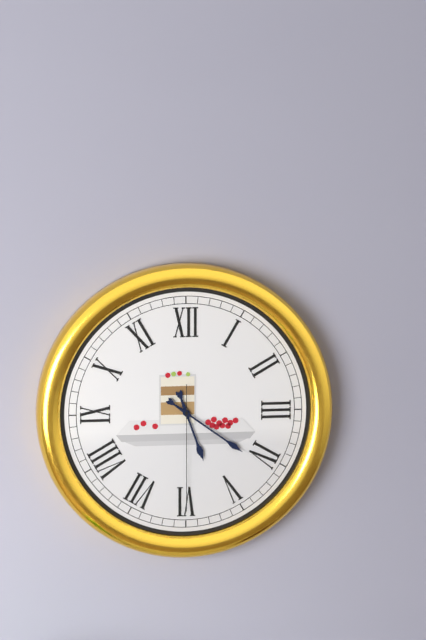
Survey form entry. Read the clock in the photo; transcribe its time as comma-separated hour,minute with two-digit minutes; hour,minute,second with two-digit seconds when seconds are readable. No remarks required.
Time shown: 5,21,30
